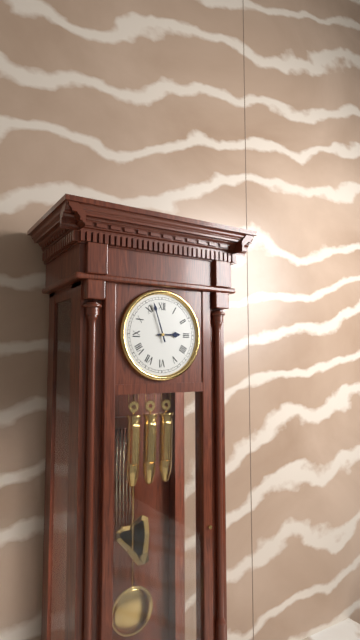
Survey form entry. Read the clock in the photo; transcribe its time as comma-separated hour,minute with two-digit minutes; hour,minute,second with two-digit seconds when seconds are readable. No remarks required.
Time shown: 2,57
